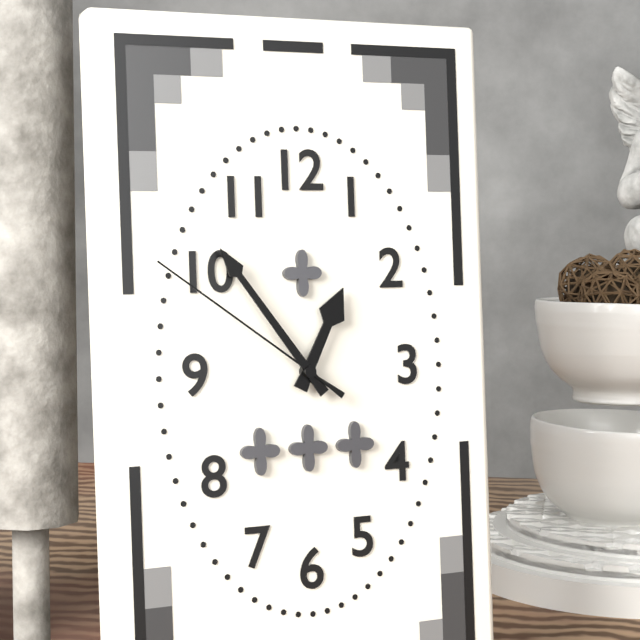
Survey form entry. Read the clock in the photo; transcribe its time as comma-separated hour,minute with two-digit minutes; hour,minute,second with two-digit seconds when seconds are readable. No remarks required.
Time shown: 12,54,51
